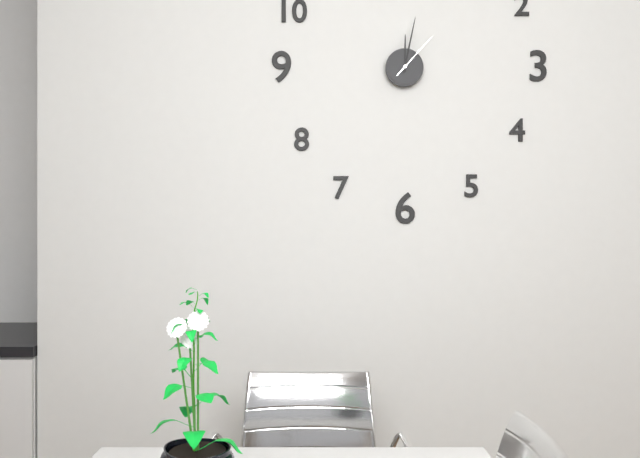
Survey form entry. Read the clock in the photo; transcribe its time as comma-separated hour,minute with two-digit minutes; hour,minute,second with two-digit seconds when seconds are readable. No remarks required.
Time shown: 12,02,07
